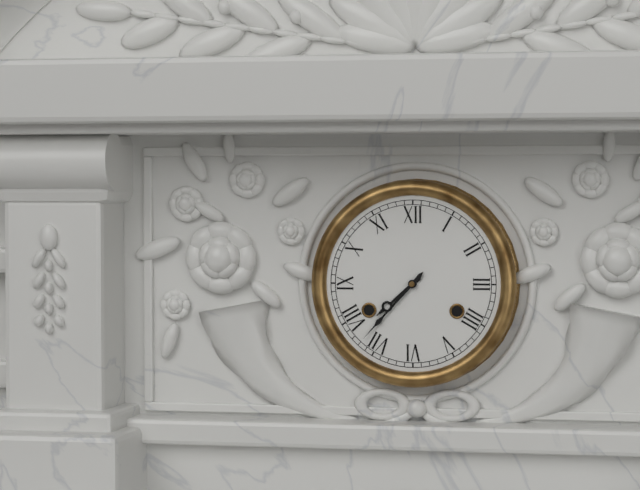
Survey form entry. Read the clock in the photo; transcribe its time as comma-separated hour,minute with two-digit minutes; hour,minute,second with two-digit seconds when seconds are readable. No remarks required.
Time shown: 7,37
